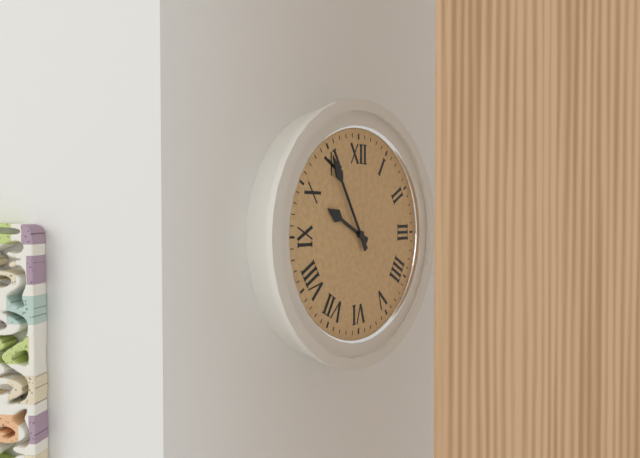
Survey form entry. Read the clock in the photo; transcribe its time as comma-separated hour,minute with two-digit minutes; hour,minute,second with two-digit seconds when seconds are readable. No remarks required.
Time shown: 9,55
